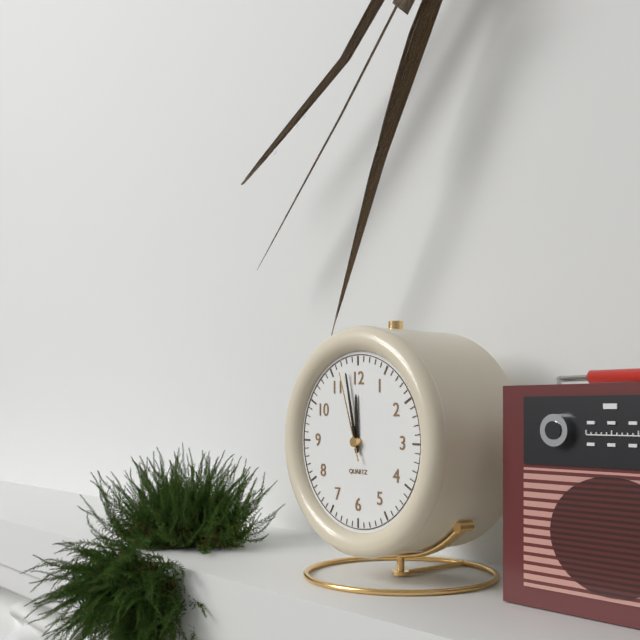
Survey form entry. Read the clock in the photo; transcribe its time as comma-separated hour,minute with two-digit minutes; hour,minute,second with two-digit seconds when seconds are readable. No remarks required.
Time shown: 11,58,57
